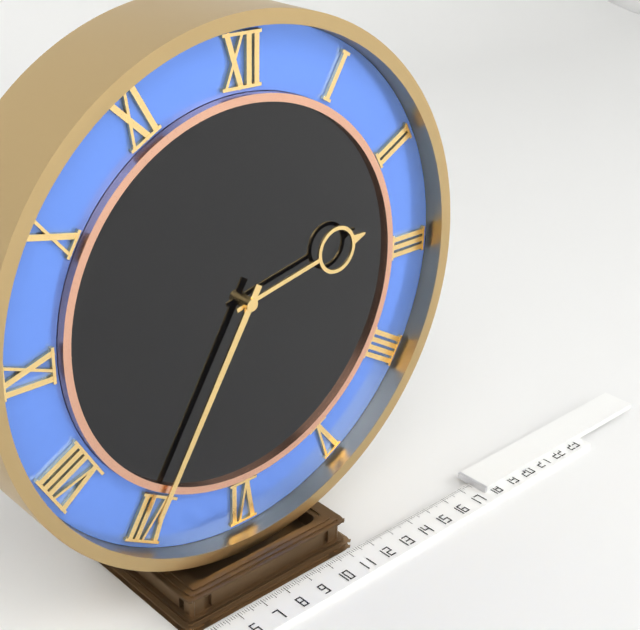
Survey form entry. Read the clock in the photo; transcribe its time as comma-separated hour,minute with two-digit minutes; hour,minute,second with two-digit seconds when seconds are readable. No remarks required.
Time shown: 2,35
